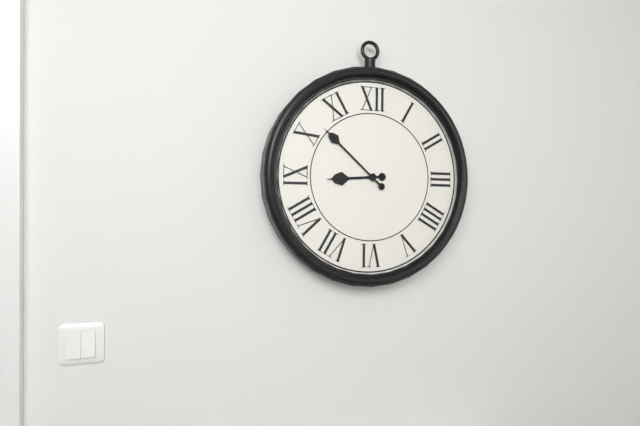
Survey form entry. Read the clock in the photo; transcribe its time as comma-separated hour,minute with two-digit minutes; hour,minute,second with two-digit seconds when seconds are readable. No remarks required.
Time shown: 8,52
